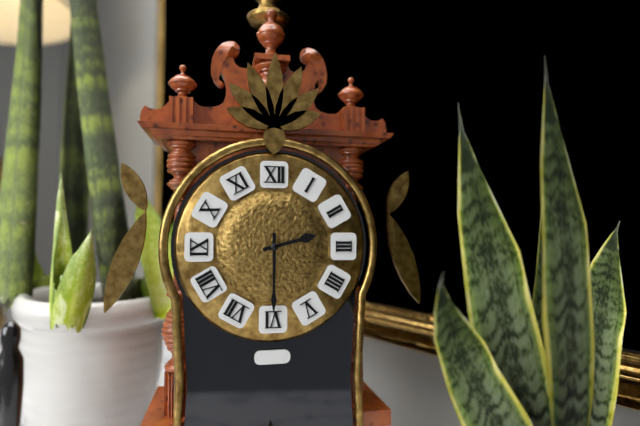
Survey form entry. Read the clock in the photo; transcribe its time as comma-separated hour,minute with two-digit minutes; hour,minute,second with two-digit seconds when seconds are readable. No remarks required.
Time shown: 2,30
